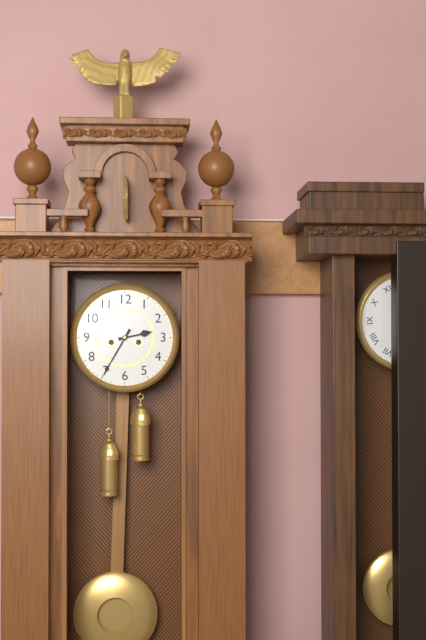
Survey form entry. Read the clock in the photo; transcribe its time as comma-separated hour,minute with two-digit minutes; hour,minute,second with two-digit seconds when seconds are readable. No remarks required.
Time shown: 2,35
